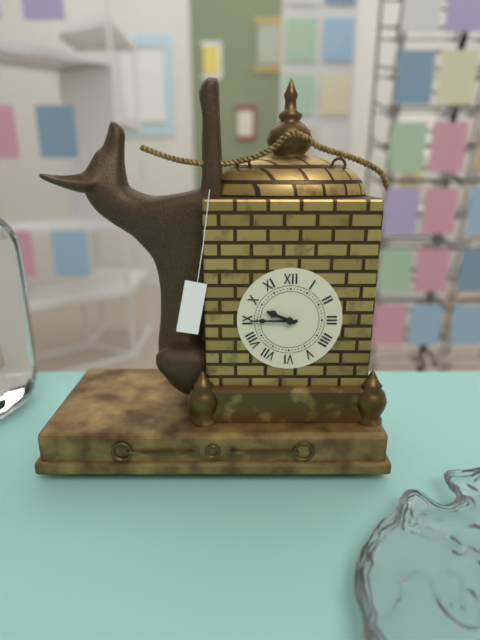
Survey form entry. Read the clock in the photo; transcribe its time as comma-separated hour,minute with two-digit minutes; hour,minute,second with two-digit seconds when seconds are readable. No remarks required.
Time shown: 9,45
